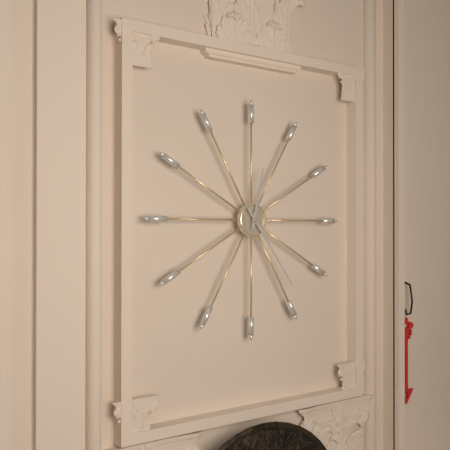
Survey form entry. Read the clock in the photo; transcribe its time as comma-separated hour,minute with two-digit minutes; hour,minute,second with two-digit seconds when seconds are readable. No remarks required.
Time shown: 12,24
